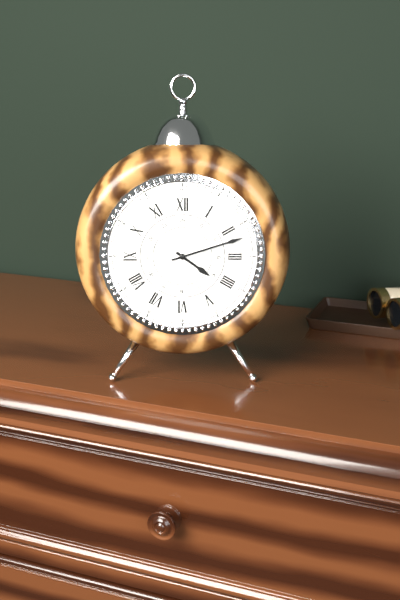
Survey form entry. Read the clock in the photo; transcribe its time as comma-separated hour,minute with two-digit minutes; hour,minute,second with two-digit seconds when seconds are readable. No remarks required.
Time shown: 4,12
